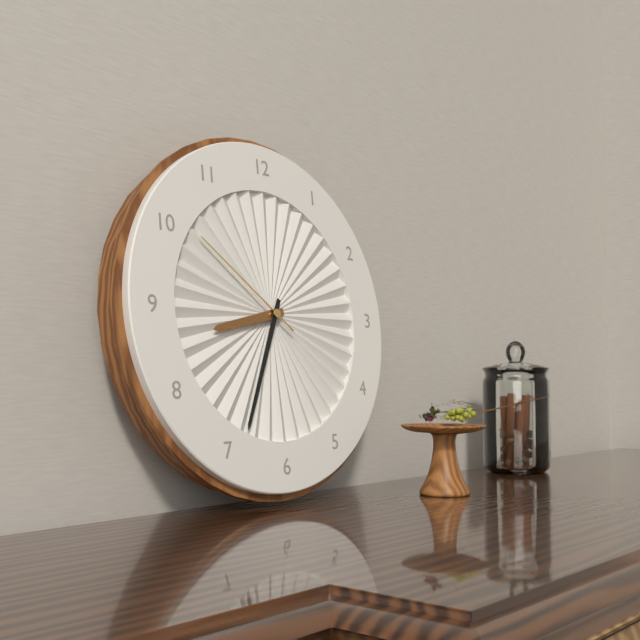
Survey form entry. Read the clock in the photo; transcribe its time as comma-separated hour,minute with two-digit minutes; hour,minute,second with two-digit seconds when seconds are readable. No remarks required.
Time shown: 8,34,51
